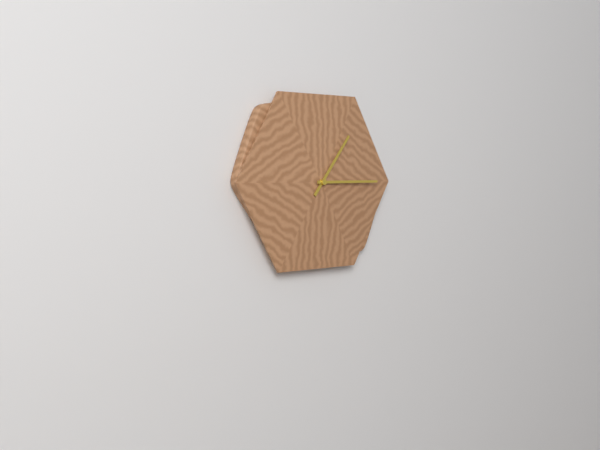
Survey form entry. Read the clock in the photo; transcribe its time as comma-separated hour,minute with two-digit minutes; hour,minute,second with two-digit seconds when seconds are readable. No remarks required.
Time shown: 1,15
